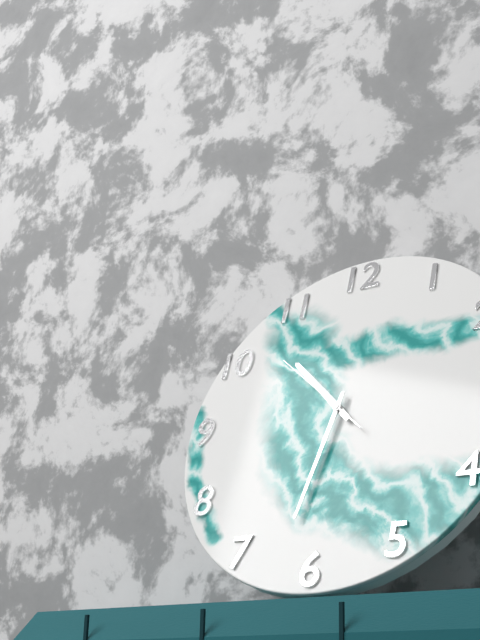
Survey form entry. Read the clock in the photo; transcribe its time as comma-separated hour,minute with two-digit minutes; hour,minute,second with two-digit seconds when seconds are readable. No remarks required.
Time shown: 10,32,52
